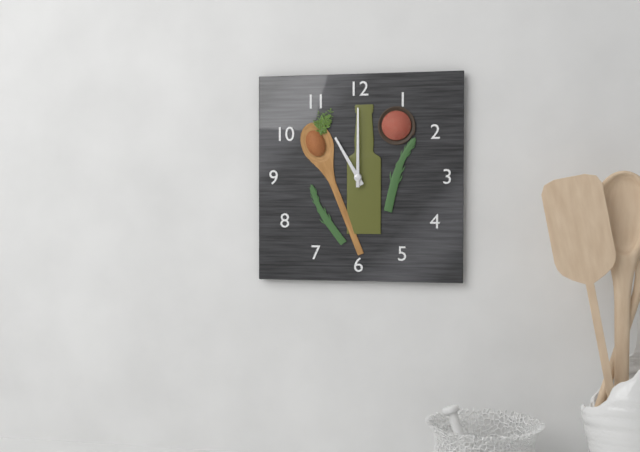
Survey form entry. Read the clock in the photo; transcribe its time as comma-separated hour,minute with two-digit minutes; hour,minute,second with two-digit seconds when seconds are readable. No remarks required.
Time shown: 11,00
